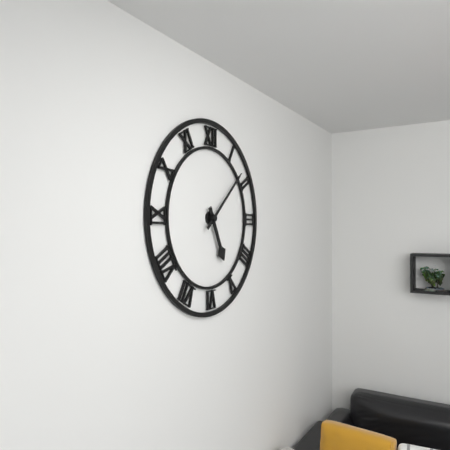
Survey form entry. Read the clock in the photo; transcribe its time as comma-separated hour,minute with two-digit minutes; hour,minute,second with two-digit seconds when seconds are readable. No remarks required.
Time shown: 5,08
